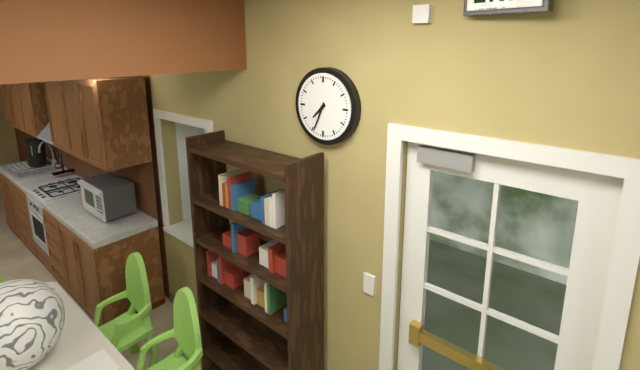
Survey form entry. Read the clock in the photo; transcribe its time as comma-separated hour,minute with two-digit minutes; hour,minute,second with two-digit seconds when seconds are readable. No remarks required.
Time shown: 7,34
